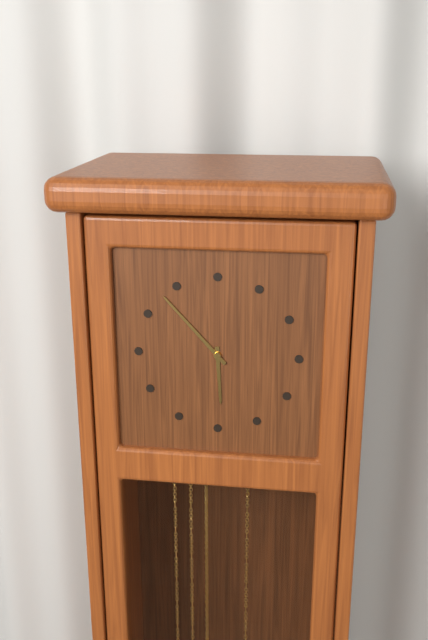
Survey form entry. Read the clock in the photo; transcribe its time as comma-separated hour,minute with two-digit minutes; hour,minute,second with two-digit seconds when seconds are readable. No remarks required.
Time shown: 5,53
